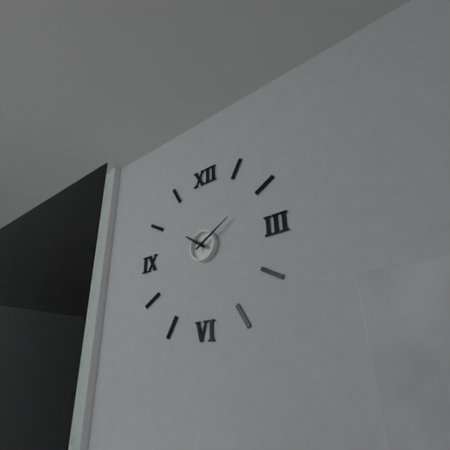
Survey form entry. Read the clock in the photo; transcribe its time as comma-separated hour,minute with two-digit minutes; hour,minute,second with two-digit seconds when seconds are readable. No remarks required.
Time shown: 10,10
